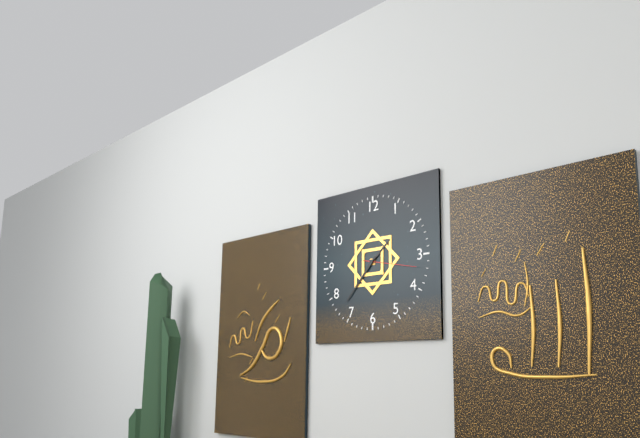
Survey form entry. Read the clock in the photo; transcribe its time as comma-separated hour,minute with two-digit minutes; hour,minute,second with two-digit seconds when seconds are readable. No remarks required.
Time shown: 1,37,17
